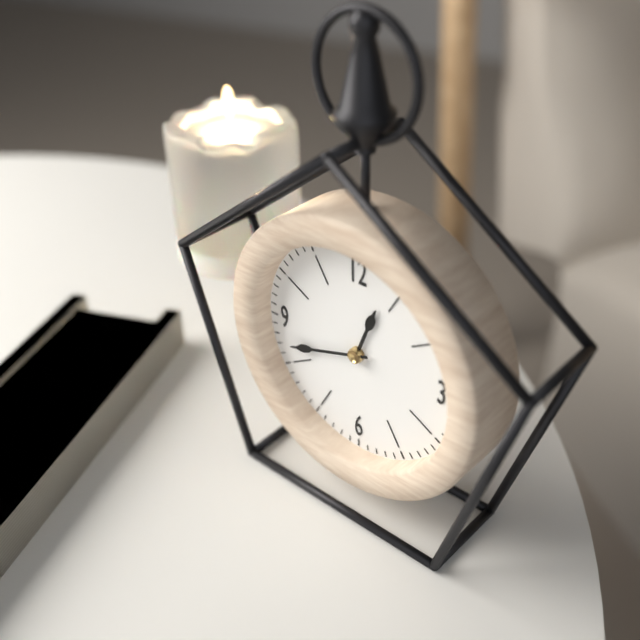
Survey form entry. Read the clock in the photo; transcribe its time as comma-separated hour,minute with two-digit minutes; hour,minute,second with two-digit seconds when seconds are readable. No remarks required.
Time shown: 12,42
